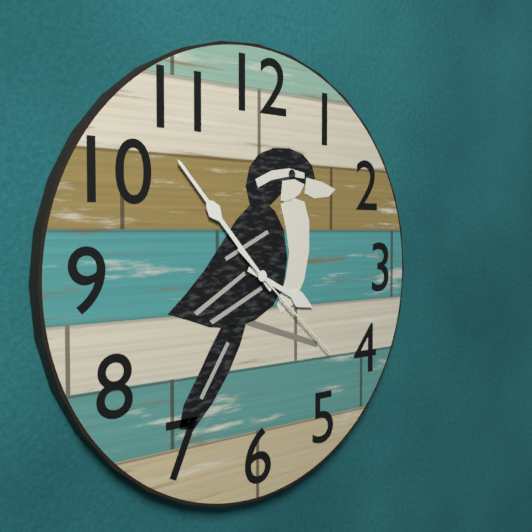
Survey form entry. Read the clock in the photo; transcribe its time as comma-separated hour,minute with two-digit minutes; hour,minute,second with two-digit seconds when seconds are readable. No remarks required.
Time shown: 3,53,22
